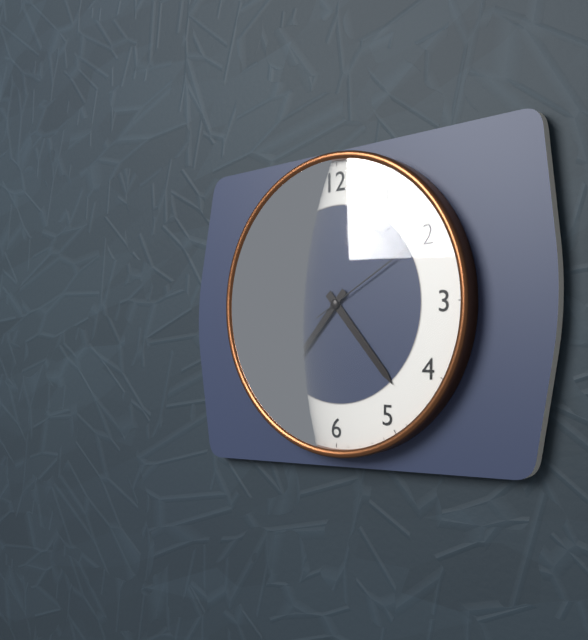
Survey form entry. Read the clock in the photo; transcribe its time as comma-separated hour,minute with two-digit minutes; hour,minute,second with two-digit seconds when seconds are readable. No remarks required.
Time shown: 4,37,10
